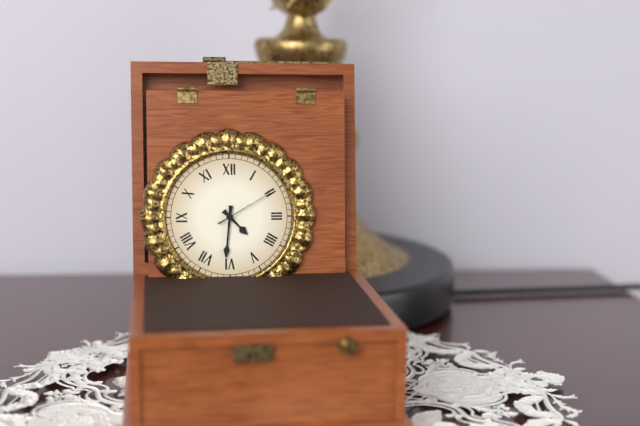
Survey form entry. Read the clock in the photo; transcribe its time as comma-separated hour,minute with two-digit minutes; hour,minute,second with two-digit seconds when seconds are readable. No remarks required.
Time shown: 4,31,10
